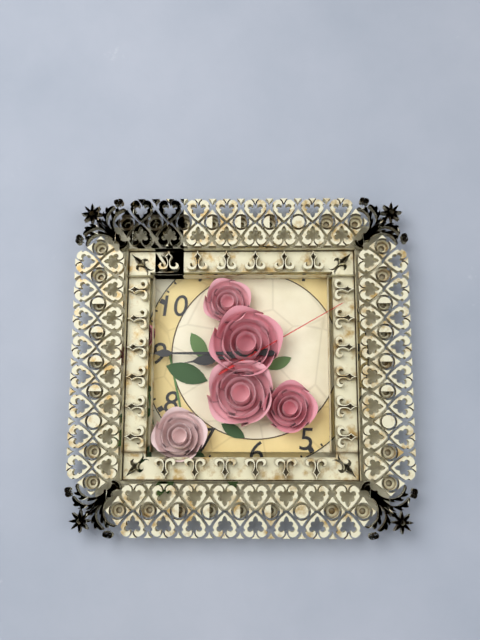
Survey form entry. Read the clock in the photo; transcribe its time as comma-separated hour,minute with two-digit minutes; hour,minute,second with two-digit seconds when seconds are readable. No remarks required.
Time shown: 8,45,10
